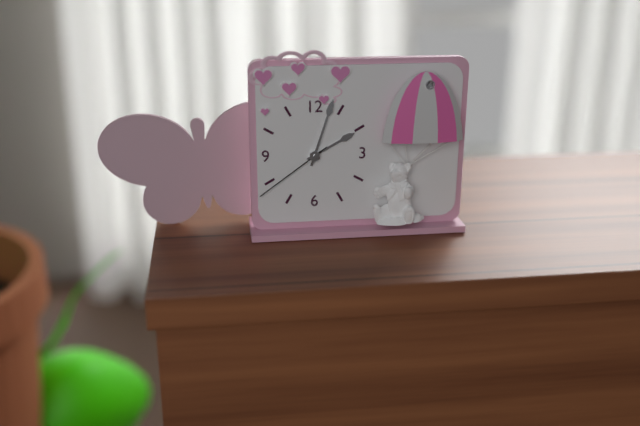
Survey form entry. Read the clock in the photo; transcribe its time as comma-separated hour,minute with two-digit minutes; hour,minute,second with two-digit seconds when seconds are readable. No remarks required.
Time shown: 2,03,39
